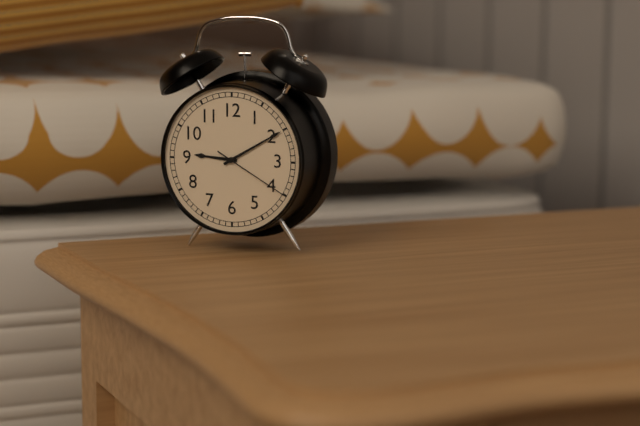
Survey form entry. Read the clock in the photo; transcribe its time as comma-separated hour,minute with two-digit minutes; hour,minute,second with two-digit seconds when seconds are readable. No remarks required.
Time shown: 9,10,20
